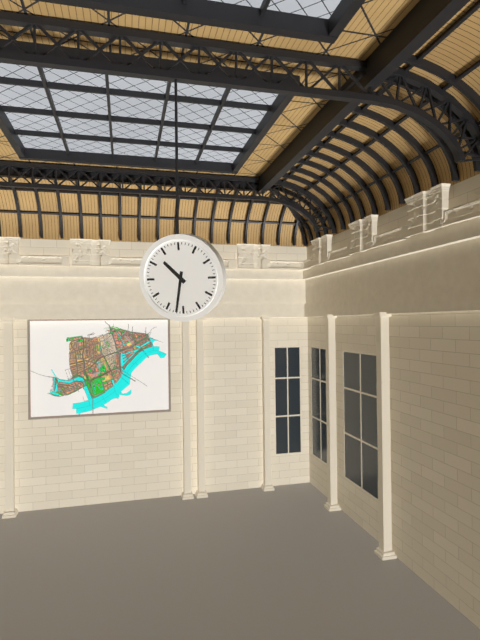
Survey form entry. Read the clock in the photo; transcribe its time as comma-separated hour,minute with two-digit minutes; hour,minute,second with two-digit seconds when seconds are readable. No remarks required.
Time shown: 10,32
